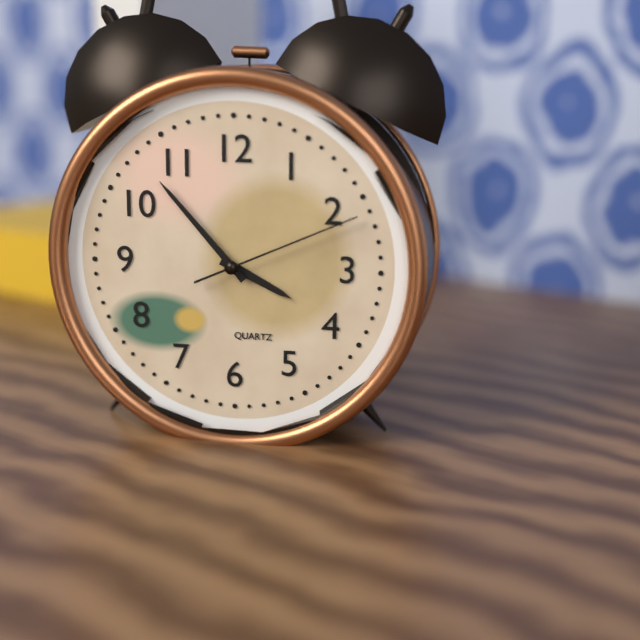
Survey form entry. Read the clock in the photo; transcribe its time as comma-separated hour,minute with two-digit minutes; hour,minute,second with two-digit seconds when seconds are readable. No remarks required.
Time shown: 3,53,11
